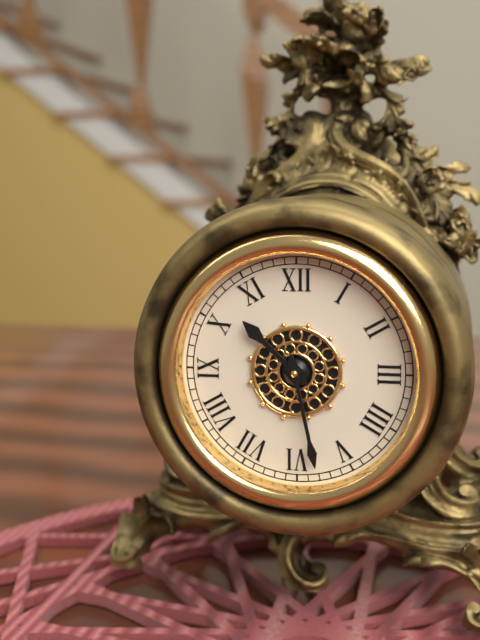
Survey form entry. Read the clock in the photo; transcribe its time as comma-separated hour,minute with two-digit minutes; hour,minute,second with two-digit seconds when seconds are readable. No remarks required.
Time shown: 10,28
